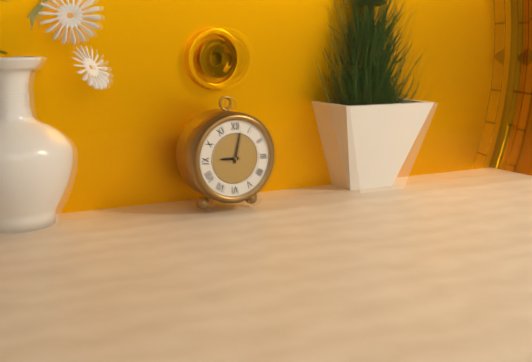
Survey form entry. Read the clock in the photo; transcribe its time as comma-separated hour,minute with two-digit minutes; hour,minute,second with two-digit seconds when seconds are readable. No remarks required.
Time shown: 9,02
